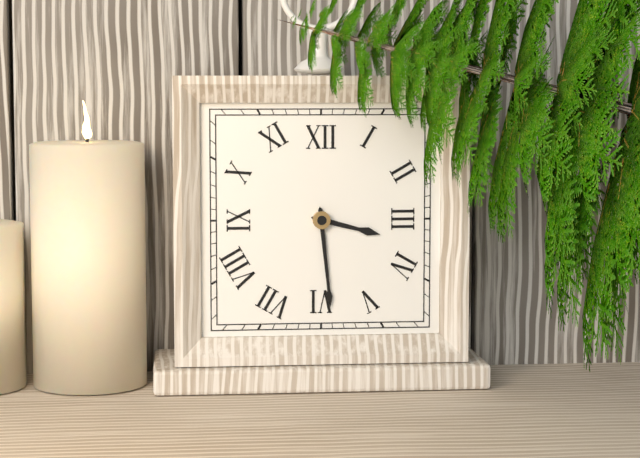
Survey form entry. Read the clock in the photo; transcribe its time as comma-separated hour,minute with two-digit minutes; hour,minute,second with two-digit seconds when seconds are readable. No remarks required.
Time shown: 3,29
